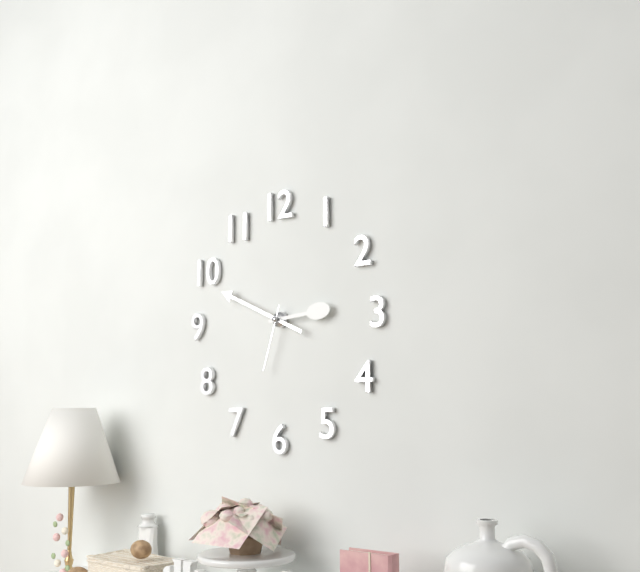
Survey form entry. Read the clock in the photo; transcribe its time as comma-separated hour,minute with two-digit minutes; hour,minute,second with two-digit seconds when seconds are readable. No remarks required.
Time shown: 2,49,33
